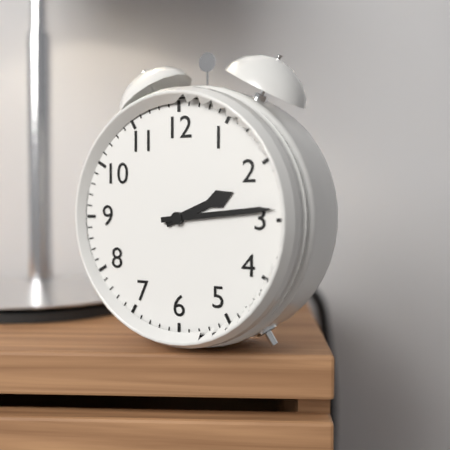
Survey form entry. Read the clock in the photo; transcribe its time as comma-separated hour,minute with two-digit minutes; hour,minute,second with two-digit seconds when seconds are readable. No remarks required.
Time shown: 2,14
